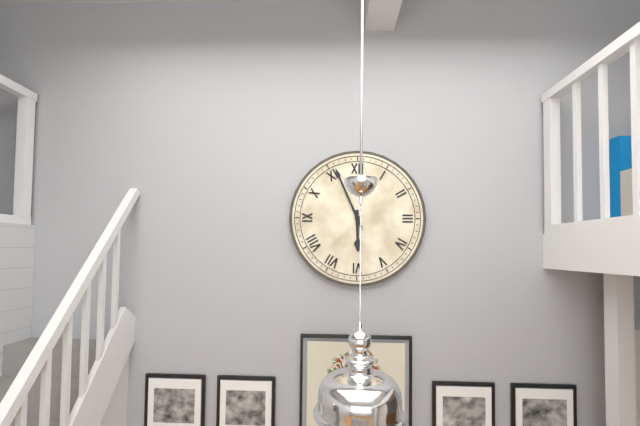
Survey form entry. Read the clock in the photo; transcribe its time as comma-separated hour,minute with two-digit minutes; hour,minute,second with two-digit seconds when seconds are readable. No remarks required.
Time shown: 5,56
